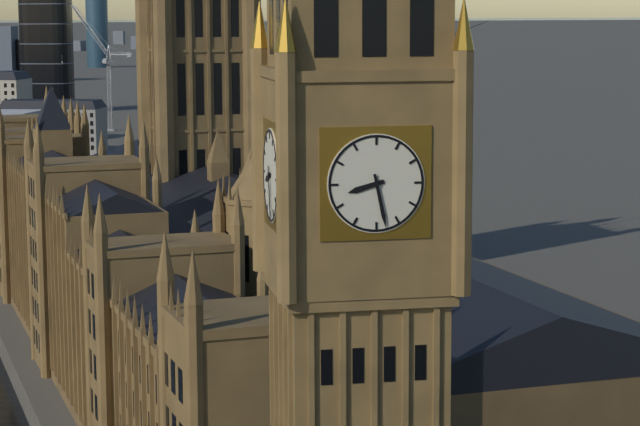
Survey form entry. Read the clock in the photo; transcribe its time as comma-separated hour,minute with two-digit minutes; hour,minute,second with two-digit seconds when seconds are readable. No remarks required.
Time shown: 8,28
